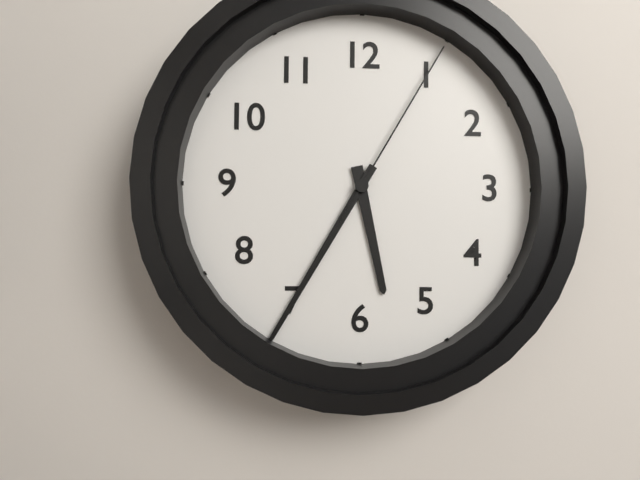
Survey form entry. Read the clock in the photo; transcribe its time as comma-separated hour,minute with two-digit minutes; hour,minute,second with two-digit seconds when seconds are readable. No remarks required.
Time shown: 5,35,05
